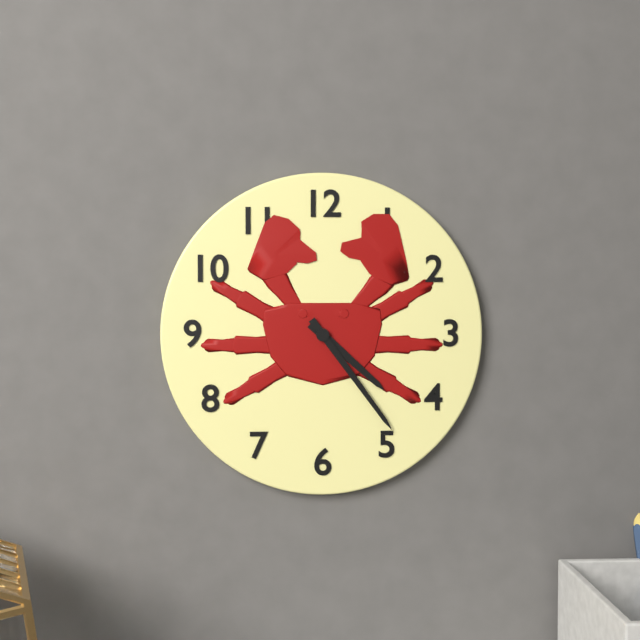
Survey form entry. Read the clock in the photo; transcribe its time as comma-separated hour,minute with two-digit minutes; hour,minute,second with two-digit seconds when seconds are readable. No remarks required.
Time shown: 4,24
